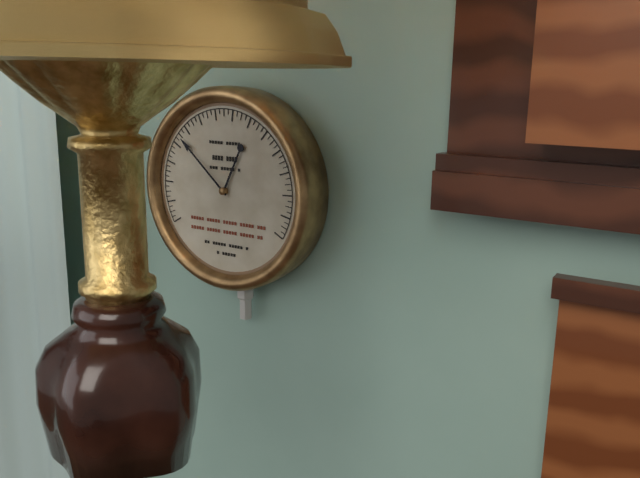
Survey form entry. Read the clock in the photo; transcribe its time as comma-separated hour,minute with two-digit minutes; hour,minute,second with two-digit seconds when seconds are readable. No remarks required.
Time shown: 12,52
